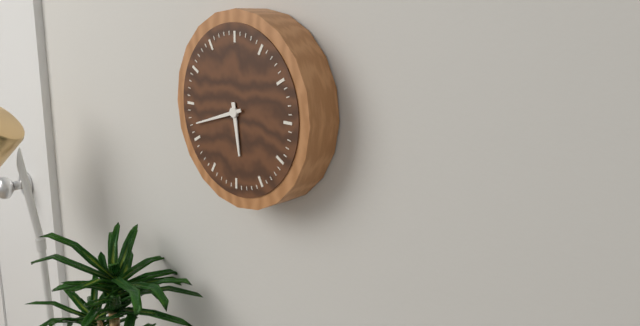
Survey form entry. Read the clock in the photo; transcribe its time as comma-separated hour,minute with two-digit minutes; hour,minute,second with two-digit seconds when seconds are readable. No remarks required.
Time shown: 5,42
